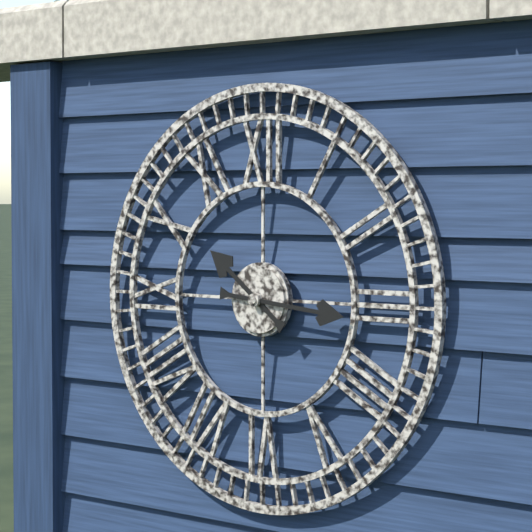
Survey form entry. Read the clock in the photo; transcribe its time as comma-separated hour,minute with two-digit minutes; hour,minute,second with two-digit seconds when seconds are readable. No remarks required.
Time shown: 10,16
